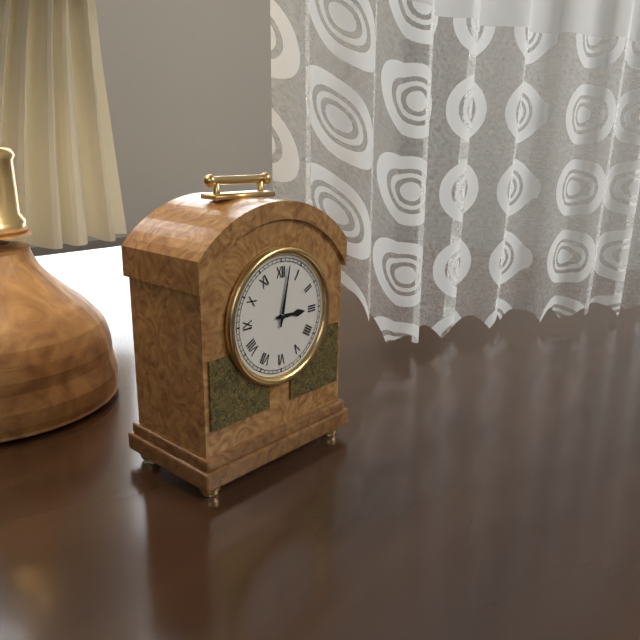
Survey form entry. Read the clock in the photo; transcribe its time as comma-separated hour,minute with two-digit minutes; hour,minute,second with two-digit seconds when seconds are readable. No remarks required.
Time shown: 3,02
